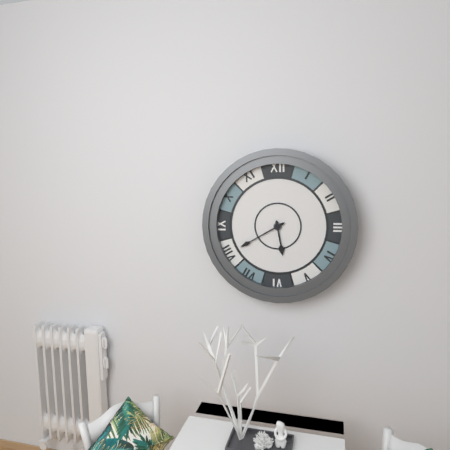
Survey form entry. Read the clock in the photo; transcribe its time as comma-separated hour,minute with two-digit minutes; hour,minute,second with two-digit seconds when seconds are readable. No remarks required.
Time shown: 5,40
